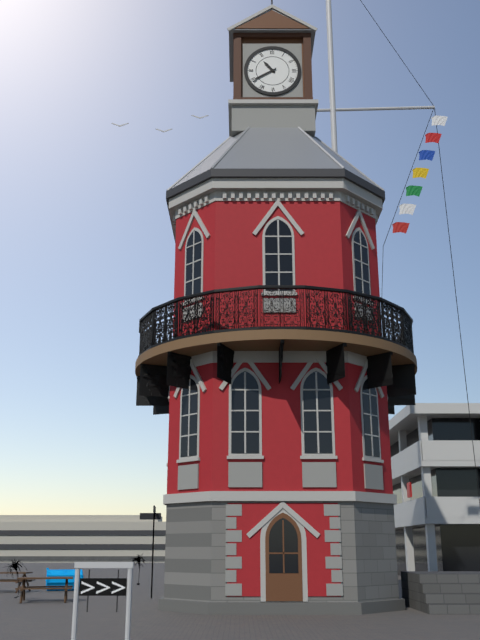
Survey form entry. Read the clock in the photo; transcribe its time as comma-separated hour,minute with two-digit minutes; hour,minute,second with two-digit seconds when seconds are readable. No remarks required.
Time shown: 10,40
